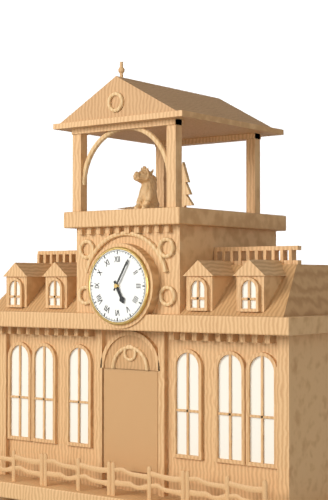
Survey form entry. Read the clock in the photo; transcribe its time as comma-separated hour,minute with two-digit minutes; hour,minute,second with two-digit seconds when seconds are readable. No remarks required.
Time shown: 5,05
